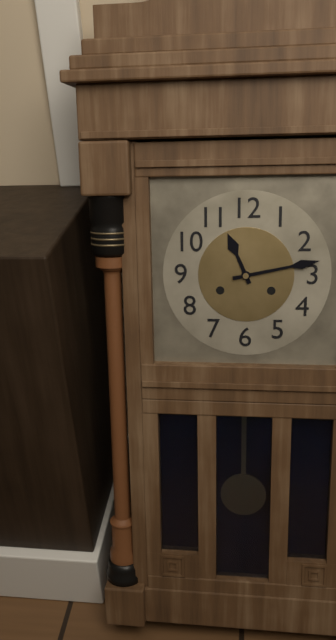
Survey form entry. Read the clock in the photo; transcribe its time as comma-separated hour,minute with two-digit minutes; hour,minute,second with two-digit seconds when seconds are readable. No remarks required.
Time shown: 11,13
